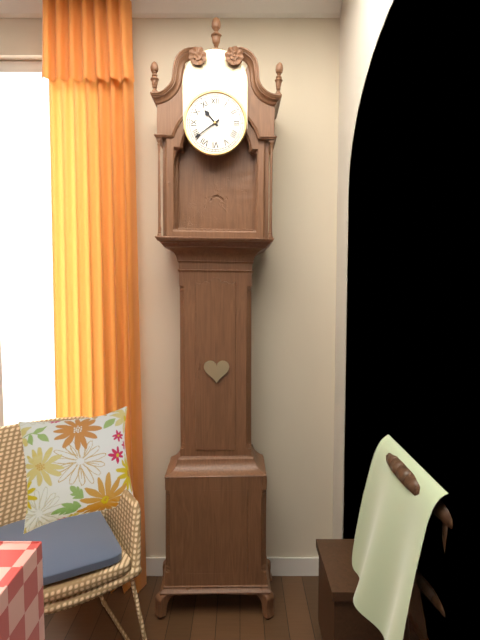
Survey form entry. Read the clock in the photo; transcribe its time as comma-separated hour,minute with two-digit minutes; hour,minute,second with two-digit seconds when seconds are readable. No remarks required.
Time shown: 10,39
